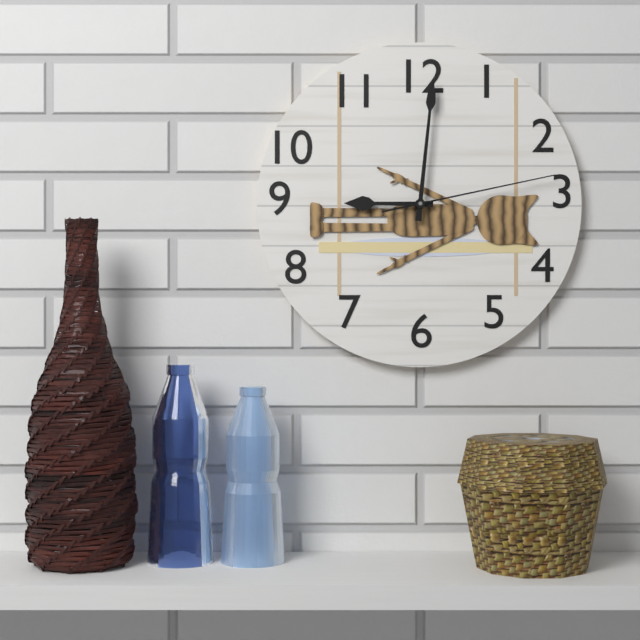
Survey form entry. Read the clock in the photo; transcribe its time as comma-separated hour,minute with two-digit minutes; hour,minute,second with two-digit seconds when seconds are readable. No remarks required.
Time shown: 9,01,13
